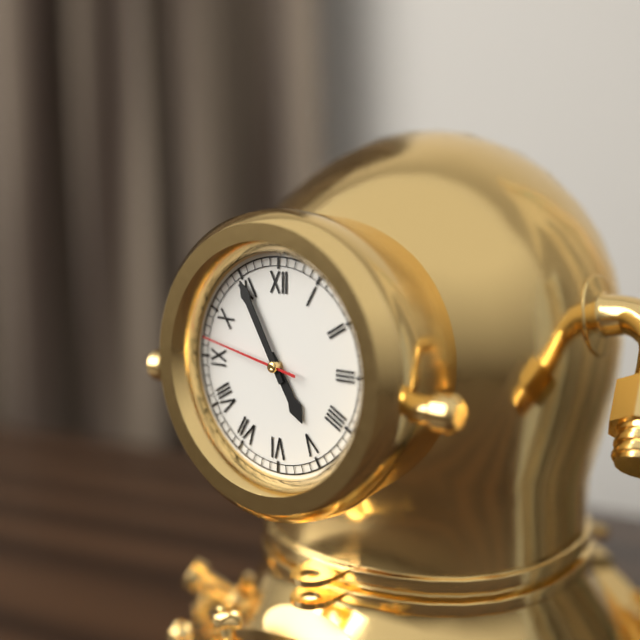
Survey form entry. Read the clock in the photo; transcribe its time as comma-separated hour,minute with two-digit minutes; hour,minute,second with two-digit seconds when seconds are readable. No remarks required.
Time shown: 4,55,47
